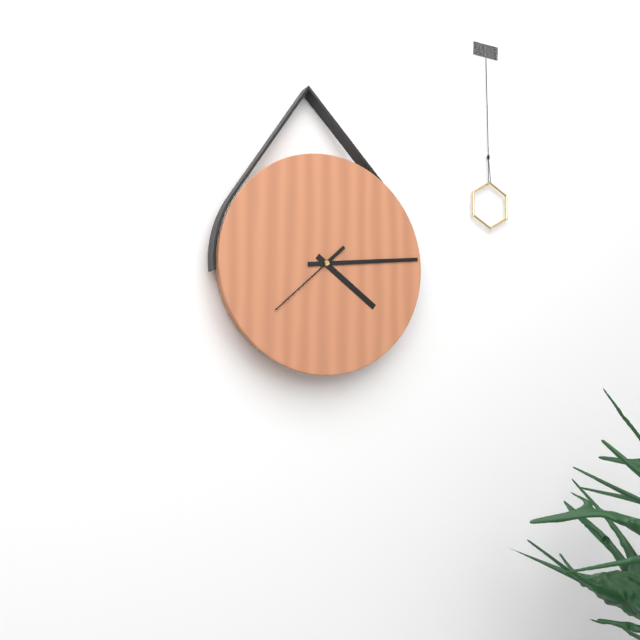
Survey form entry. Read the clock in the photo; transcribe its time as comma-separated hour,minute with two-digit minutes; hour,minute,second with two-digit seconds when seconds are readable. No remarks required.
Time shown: 4,14,38
